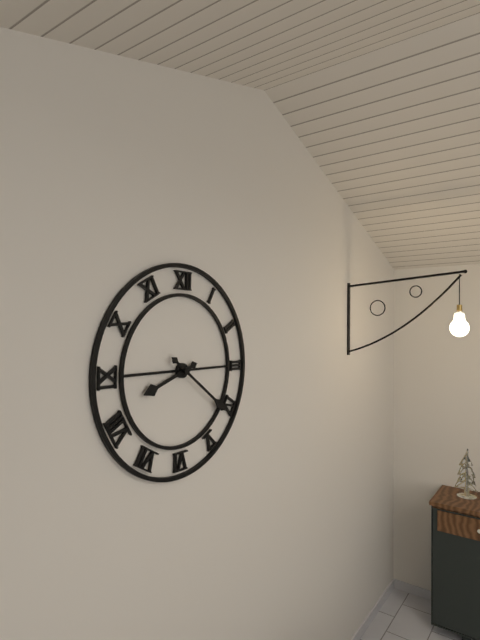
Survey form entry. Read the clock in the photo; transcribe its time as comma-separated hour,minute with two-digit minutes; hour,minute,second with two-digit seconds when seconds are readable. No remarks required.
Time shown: 8,21
